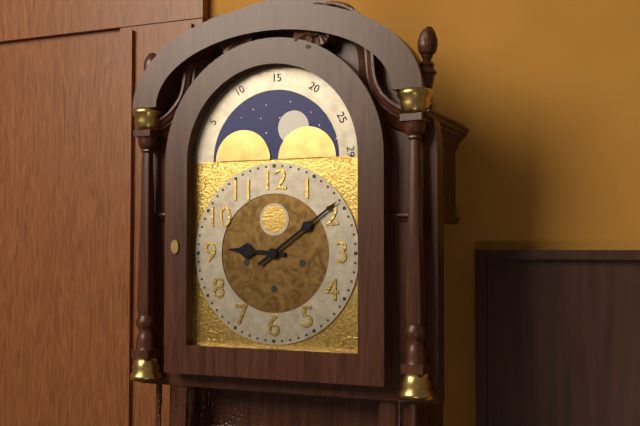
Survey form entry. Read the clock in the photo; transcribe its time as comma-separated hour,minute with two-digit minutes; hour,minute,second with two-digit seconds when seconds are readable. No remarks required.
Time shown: 9,09
